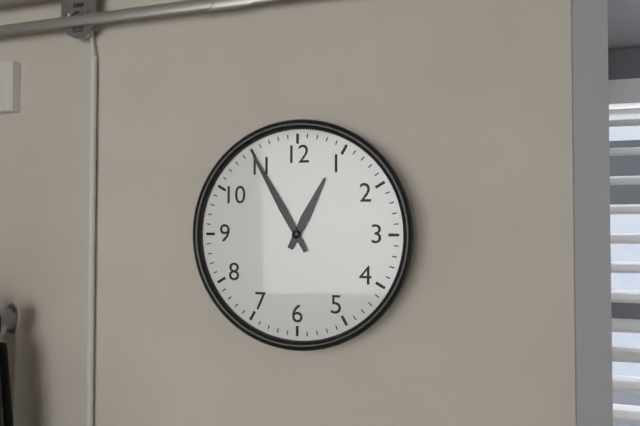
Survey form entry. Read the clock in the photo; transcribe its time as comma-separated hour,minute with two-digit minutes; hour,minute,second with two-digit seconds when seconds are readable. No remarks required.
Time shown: 12,55
